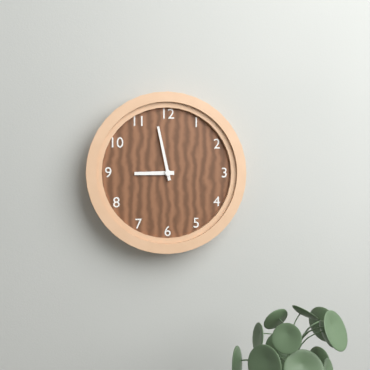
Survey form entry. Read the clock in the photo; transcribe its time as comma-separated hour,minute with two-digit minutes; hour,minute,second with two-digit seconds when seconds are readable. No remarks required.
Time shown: 8,58
